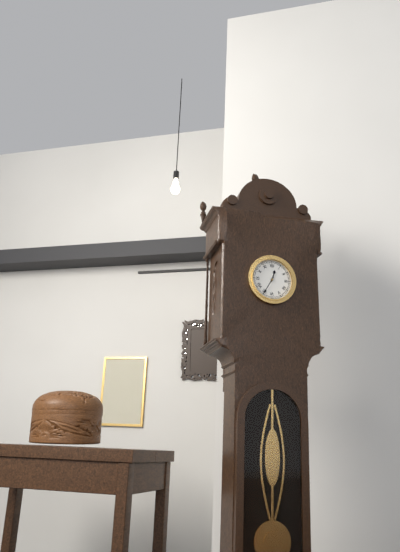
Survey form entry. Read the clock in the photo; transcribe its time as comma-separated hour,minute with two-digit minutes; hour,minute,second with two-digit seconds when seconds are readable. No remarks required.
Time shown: 12,35
